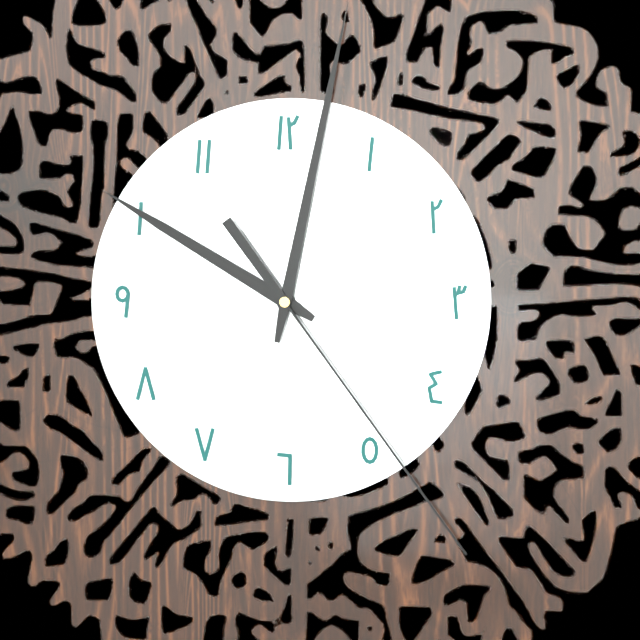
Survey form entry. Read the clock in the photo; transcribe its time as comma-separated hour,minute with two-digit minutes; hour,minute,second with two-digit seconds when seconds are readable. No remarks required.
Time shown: 10,02,24
